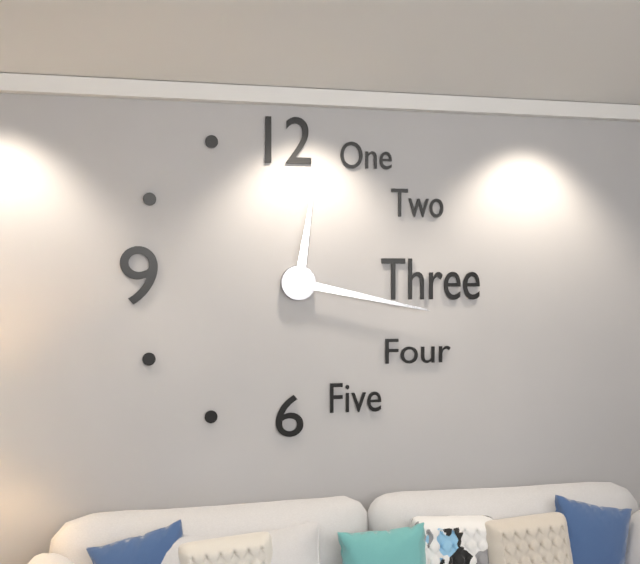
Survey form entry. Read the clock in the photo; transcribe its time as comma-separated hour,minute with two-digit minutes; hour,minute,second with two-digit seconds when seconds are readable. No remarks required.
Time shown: 12,17
